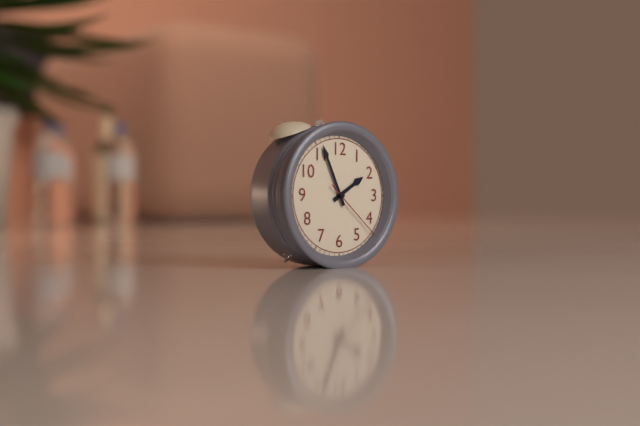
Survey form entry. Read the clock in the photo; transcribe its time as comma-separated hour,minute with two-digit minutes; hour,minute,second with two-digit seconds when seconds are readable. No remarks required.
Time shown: 1,56,22
